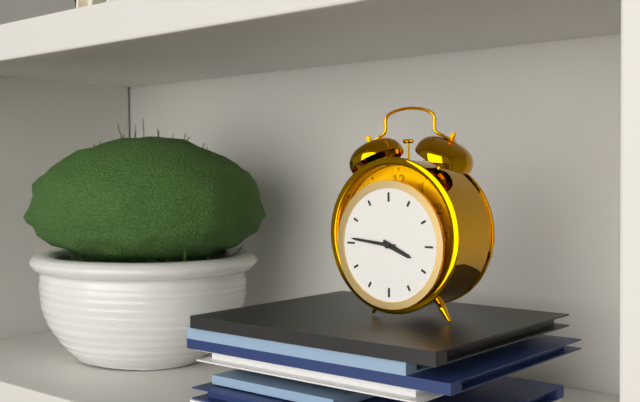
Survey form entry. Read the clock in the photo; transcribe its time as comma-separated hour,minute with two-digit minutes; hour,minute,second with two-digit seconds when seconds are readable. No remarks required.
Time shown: 3,46
